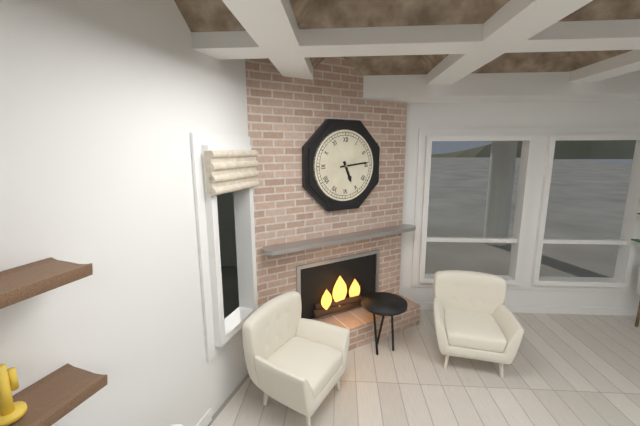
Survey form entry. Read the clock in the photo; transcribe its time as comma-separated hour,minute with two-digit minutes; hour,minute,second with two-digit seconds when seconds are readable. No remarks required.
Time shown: 5,14
